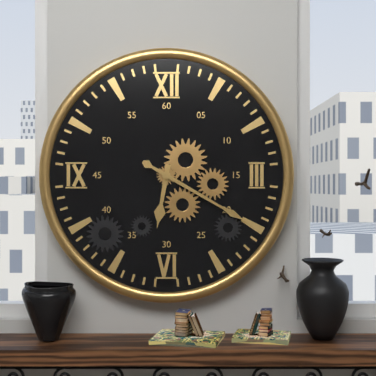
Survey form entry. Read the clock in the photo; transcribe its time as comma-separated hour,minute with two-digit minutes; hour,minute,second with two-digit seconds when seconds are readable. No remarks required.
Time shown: 6,20
